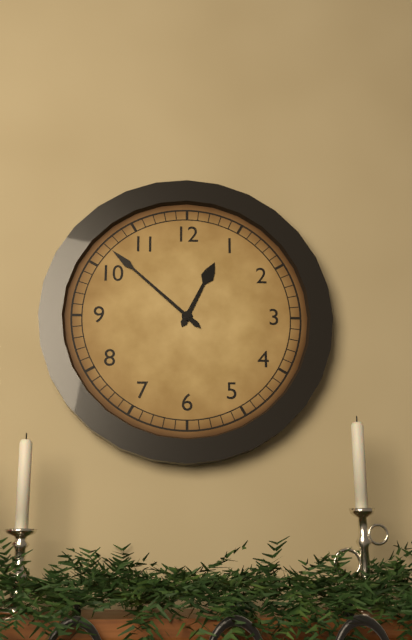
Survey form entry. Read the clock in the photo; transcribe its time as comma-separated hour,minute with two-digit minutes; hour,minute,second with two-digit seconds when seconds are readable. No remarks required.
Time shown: 12,52
